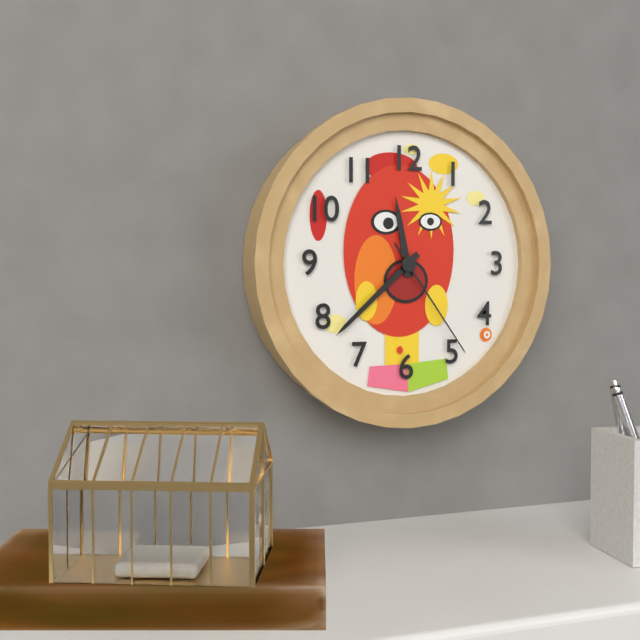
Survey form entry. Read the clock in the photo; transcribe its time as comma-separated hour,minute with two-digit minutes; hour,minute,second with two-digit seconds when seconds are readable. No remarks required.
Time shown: 11,38,24
